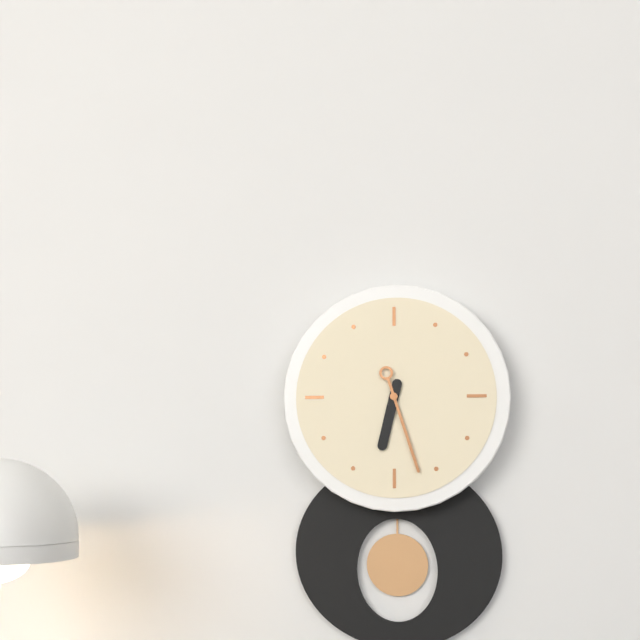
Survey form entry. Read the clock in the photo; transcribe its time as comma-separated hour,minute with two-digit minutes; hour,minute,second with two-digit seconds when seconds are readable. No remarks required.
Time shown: 6,27
